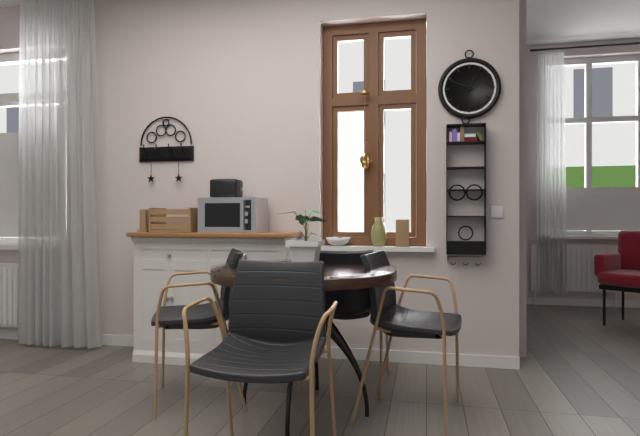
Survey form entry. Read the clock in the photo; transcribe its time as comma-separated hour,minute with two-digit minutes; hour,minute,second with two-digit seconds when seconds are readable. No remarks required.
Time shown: 12,49
